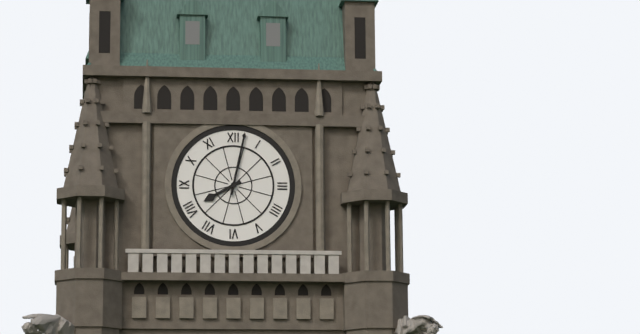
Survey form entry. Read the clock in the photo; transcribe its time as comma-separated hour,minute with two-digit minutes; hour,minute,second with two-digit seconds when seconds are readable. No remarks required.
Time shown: 8,02
